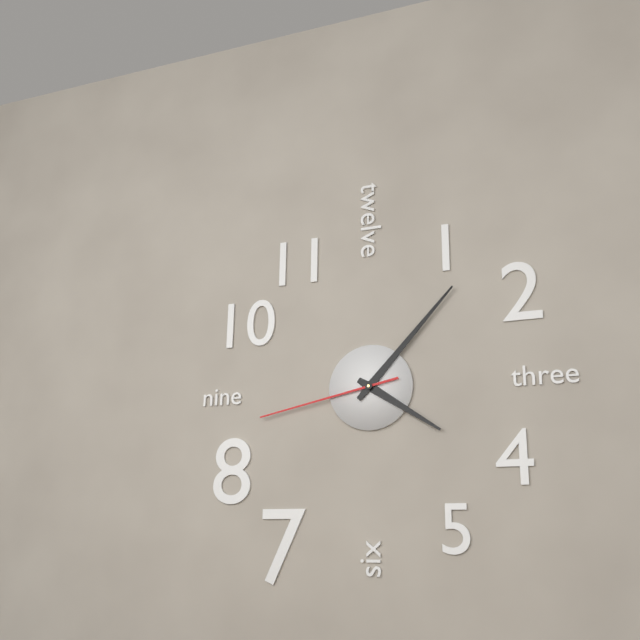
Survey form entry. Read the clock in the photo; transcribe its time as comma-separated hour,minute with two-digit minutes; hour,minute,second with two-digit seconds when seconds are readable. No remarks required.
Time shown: 4,07,43
